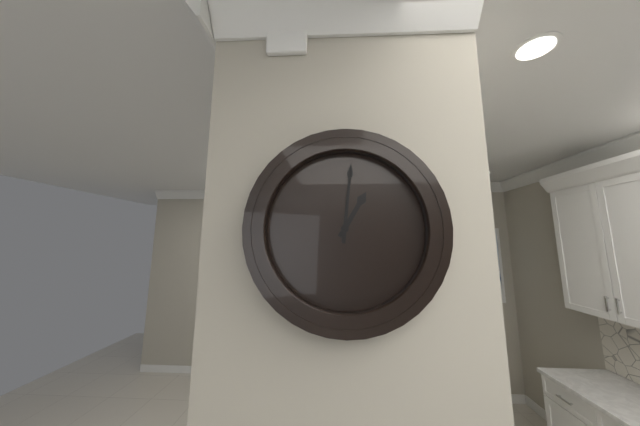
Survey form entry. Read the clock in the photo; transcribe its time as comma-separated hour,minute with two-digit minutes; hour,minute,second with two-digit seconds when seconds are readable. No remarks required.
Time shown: 1,01
